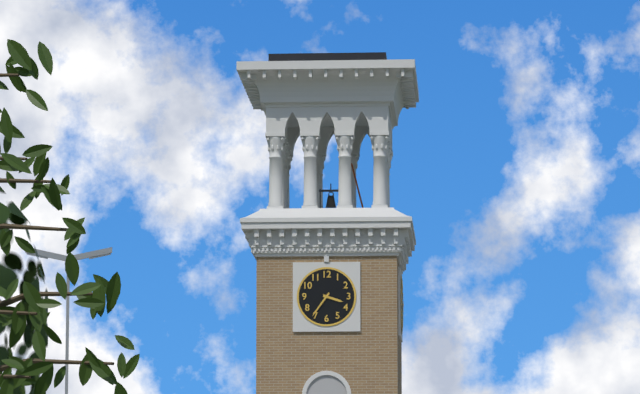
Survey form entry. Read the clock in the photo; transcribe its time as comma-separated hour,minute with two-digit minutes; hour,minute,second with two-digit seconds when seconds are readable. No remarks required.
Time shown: 3,36
